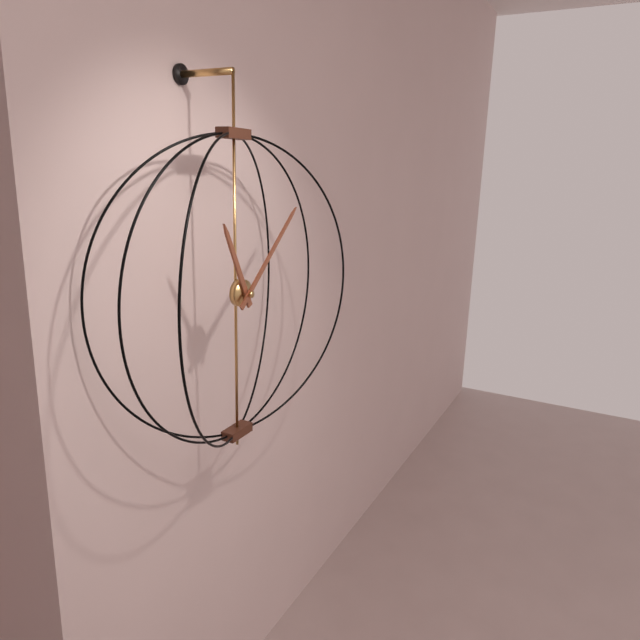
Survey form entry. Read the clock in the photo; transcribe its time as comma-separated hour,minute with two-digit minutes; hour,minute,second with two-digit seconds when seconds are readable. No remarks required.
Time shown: 11,08
